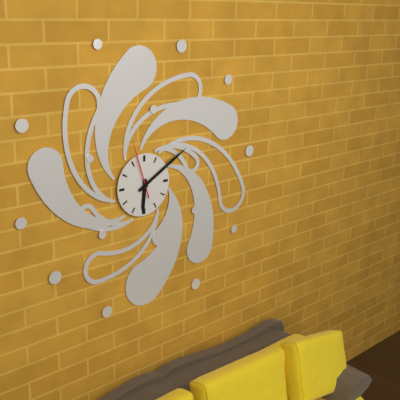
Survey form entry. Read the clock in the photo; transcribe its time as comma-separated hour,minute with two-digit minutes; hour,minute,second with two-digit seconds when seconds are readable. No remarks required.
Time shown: 6,10,57
